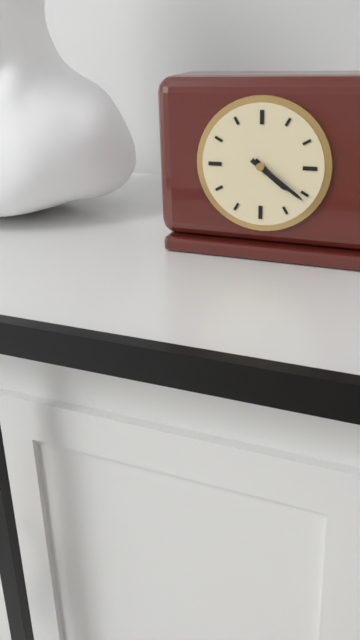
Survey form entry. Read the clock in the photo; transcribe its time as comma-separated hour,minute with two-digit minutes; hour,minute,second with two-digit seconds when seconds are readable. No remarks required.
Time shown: 4,21
